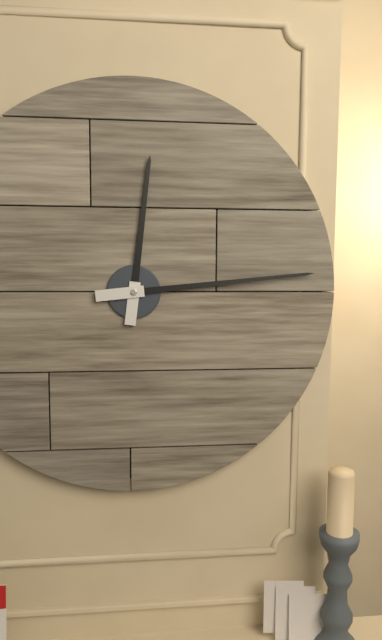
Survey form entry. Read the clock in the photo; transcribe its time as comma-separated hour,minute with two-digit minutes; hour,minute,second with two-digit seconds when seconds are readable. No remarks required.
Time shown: 12,14
